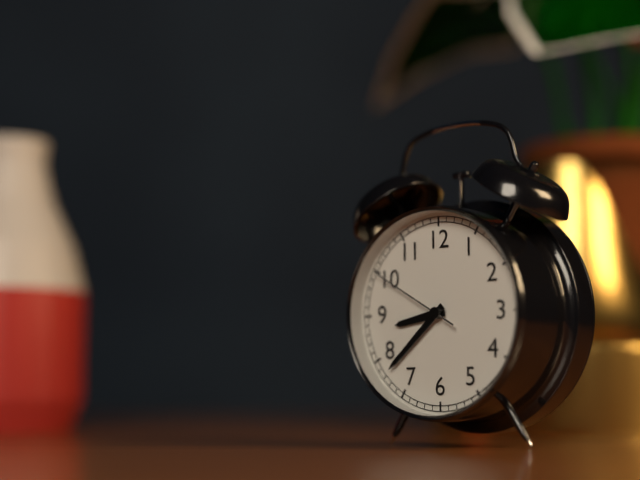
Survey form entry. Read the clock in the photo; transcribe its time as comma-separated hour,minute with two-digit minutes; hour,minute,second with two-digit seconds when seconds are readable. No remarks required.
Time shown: 8,38,50
